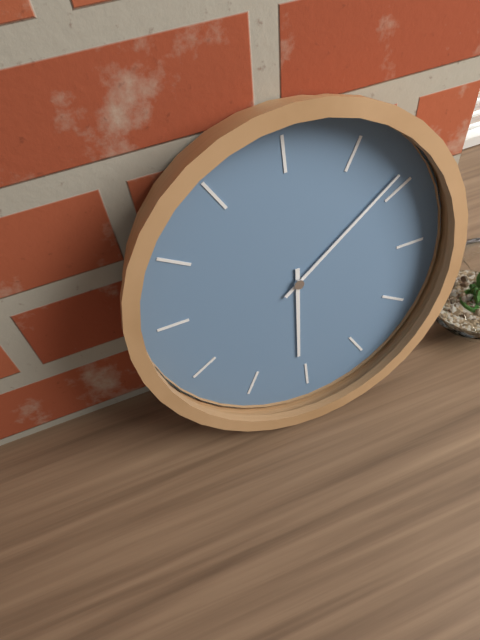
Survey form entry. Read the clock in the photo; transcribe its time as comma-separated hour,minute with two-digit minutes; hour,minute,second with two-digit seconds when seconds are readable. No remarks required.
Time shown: 6,09
